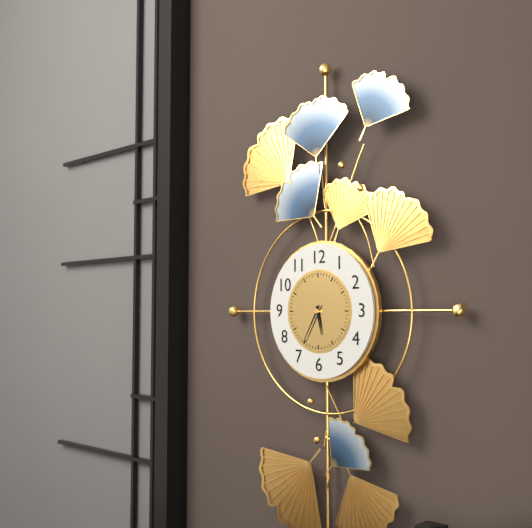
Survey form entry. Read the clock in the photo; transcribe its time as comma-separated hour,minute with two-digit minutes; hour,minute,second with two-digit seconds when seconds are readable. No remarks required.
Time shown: 5,35
